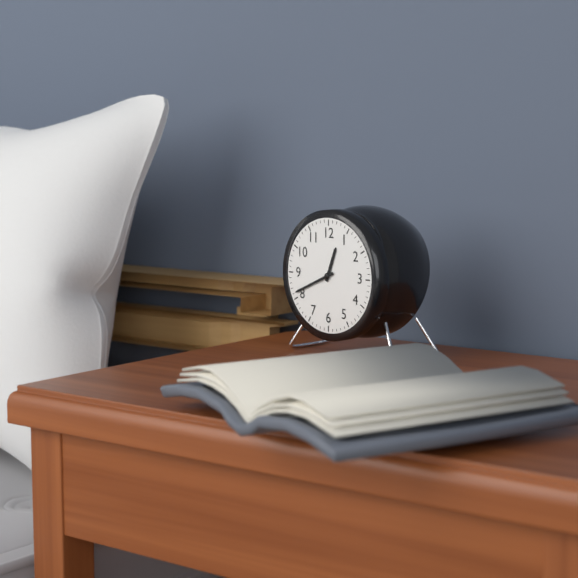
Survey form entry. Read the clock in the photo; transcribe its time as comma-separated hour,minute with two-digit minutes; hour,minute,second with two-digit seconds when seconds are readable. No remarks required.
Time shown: 12,41
